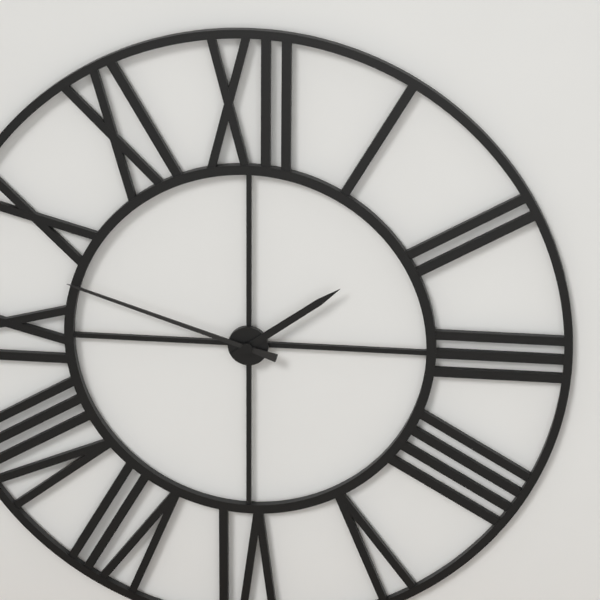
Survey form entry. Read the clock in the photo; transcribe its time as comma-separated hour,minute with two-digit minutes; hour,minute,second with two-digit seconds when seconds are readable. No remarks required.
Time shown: 1,48
